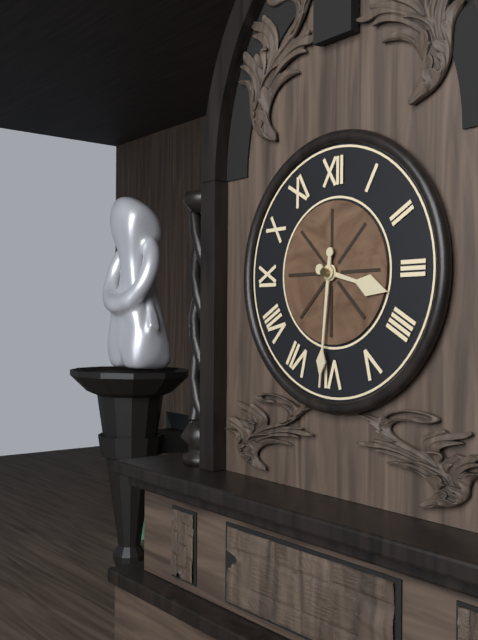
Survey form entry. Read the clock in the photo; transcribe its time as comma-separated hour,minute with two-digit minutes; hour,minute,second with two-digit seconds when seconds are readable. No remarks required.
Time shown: 3,31
